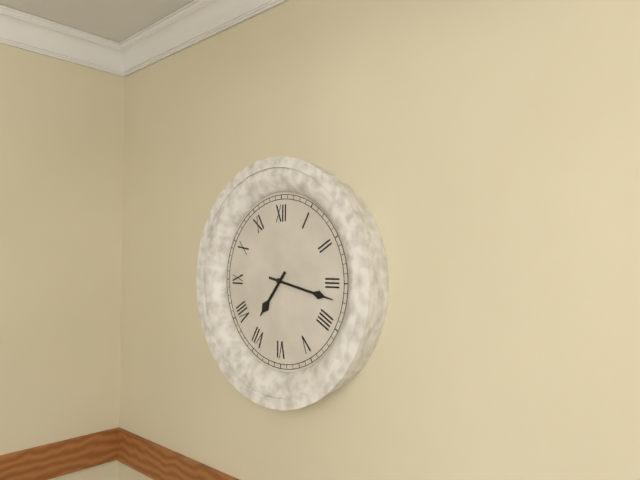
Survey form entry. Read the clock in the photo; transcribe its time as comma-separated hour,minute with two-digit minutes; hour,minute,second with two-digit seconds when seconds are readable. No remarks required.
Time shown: 7,17
